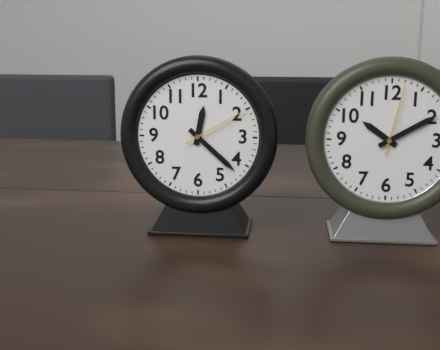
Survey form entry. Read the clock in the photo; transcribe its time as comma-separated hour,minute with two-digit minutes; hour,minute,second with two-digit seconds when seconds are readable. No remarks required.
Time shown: 12,22,10
